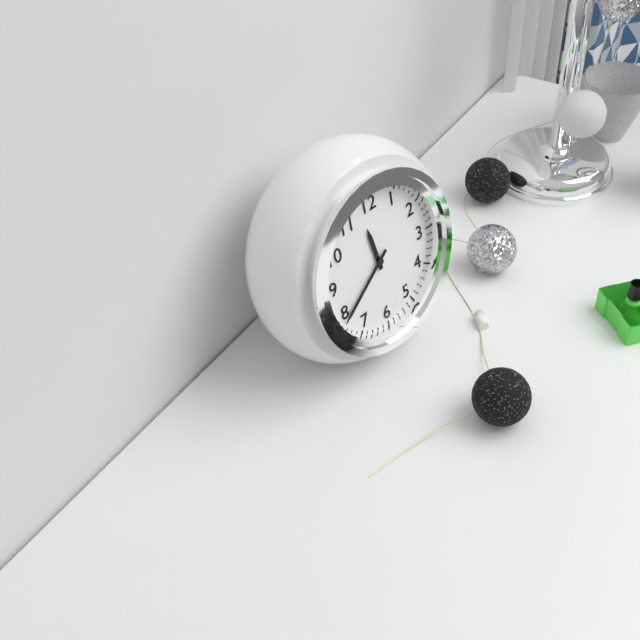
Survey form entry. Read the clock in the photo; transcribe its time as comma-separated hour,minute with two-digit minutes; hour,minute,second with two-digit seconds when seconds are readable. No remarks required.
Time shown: 11,39
